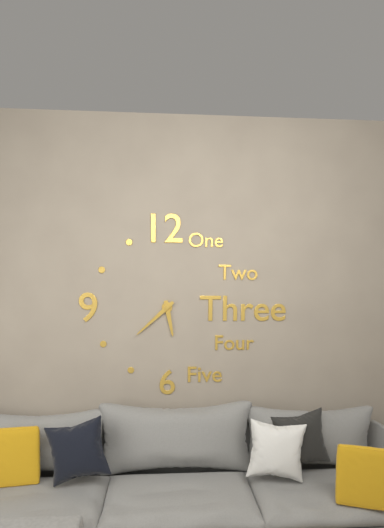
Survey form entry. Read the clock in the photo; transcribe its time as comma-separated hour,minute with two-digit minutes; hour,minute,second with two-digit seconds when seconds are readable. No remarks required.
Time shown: 5,38
